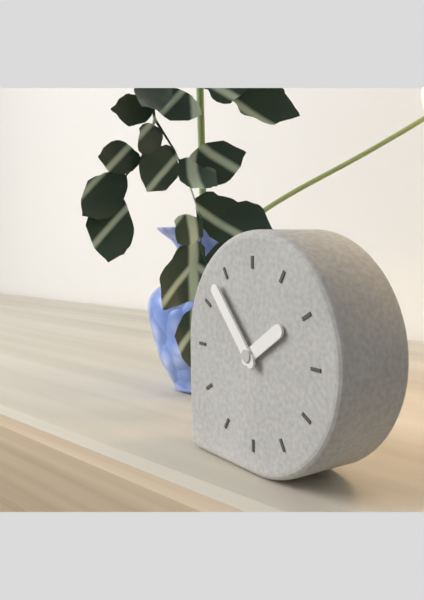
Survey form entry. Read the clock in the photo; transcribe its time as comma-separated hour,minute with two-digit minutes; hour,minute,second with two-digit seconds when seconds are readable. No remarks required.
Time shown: 1,53
